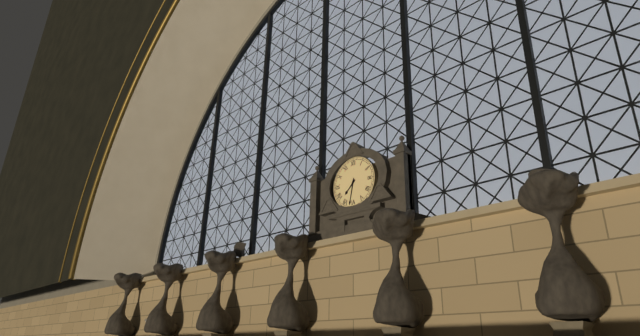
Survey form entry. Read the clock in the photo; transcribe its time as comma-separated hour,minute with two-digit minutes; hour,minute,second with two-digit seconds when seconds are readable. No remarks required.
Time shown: 7,32
